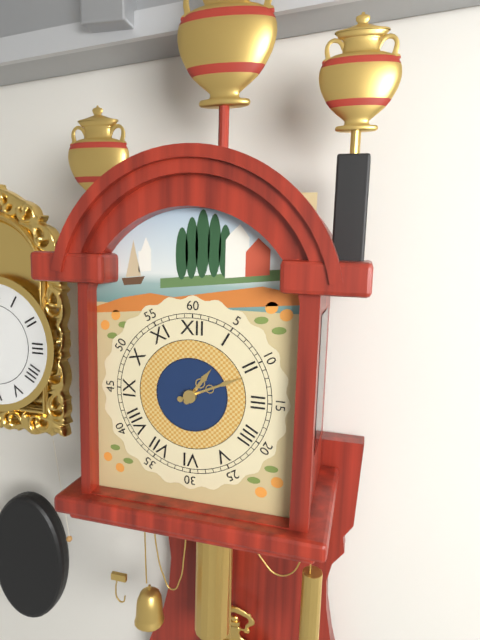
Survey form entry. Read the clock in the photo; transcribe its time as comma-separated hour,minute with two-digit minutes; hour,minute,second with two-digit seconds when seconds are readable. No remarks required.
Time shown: 1,11
